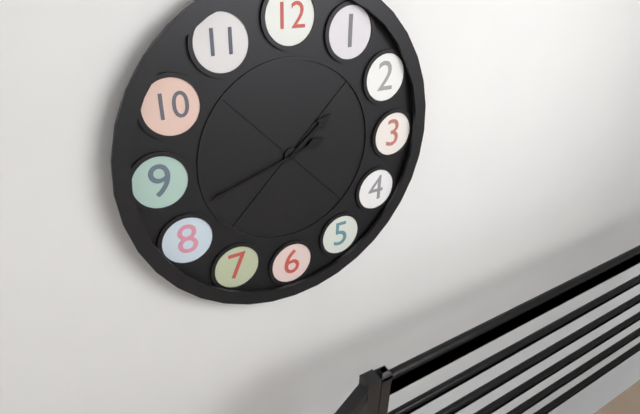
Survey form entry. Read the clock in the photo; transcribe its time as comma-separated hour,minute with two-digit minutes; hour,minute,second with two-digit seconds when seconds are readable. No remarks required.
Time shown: 1,42
